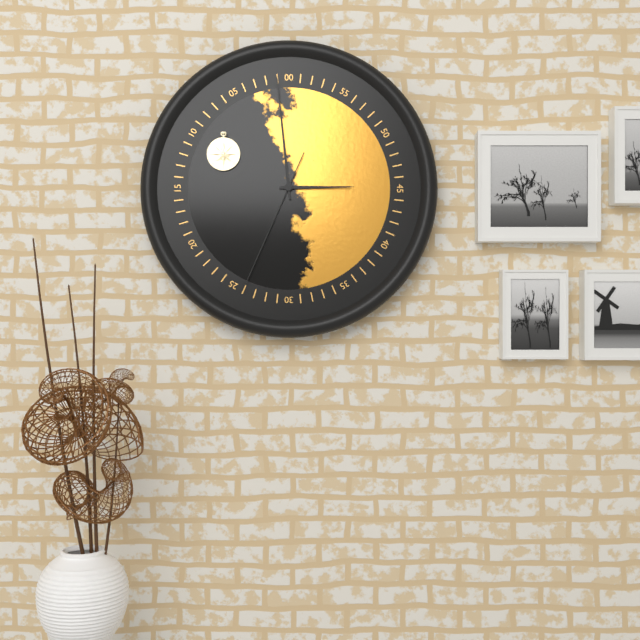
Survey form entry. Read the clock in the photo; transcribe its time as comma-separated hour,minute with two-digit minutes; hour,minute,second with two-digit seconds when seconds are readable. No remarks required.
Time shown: 2,59,34
